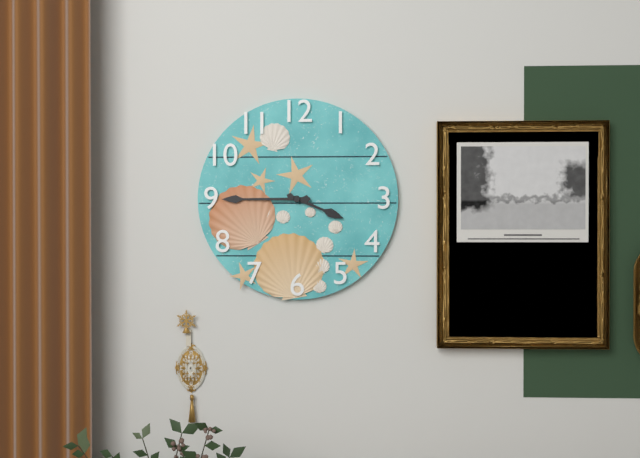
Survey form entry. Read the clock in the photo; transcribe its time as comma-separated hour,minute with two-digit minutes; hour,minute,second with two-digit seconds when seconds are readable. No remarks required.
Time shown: 3,45
